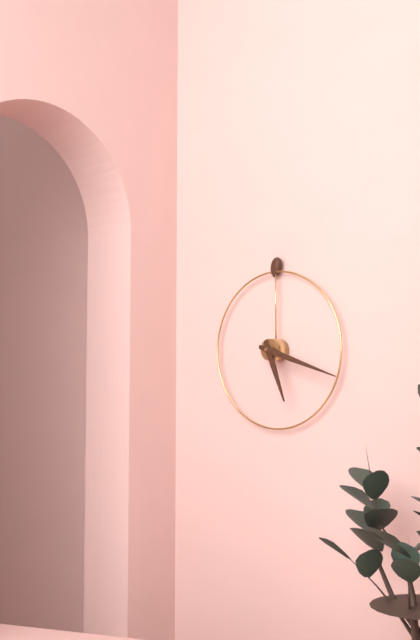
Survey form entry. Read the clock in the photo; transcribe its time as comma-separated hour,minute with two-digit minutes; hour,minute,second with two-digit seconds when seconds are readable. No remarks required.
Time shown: 5,18
